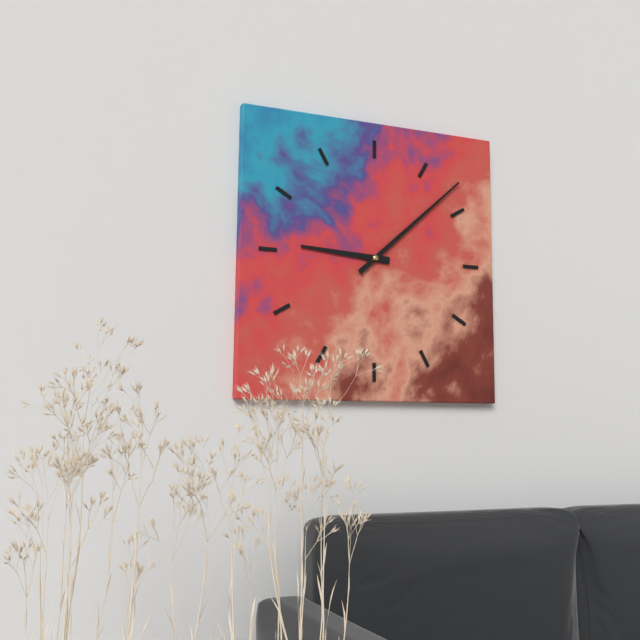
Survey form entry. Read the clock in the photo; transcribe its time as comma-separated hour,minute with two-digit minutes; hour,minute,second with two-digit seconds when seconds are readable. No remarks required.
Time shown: 9,08
